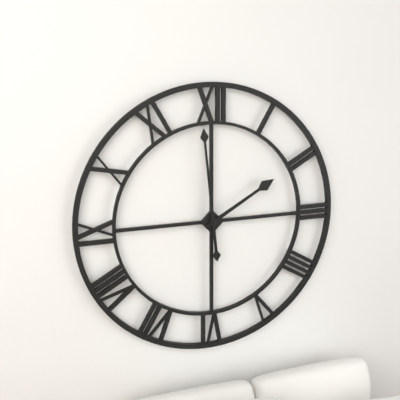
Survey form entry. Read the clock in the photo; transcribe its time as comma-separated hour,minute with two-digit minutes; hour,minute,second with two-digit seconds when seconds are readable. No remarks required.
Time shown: 1,59
